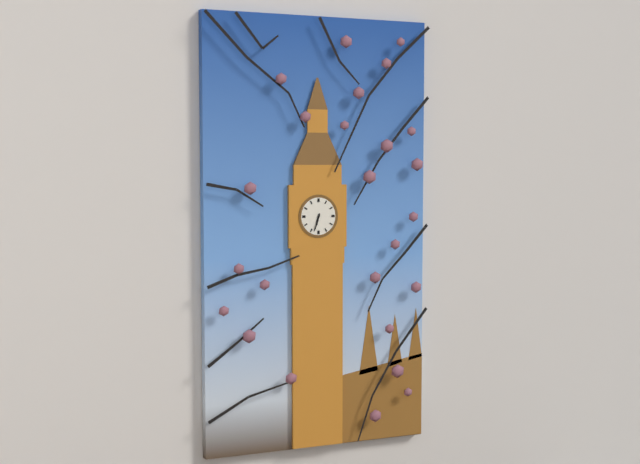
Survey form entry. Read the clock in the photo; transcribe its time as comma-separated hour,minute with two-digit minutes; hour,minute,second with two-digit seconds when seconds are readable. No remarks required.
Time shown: 6,33
